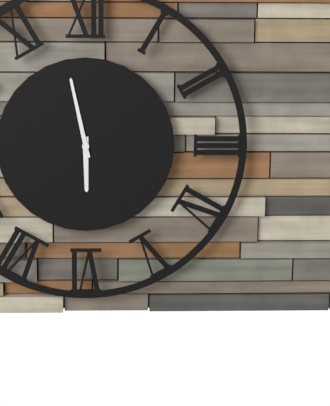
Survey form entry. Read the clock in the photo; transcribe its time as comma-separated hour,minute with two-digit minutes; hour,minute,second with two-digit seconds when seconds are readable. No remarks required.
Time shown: 5,58
